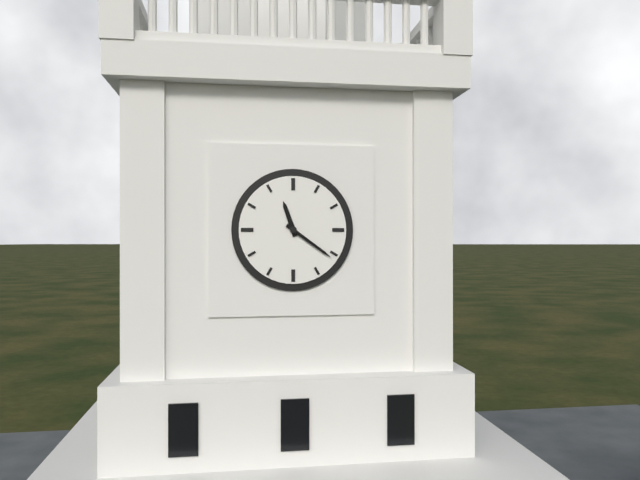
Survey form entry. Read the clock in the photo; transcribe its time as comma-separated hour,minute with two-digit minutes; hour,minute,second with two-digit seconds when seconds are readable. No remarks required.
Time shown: 11,21
